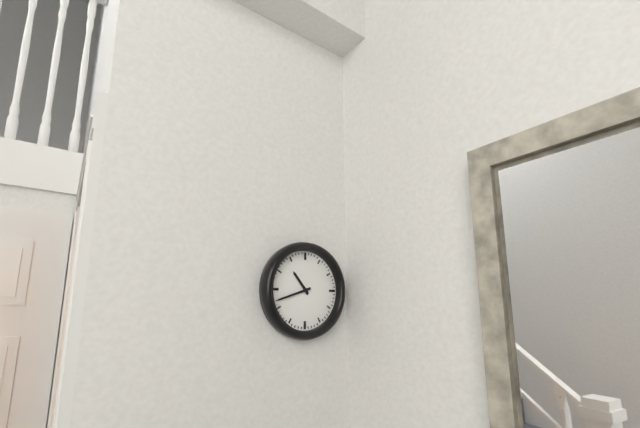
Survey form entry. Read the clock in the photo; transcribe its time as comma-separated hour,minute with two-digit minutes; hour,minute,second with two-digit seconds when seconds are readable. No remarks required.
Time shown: 10,42
